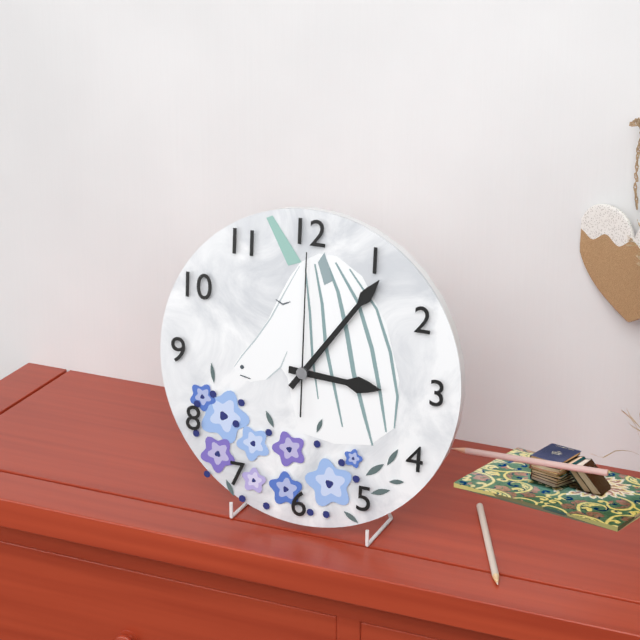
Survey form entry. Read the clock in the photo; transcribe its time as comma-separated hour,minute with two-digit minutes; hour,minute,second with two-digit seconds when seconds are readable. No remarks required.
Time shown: 3,06,00
